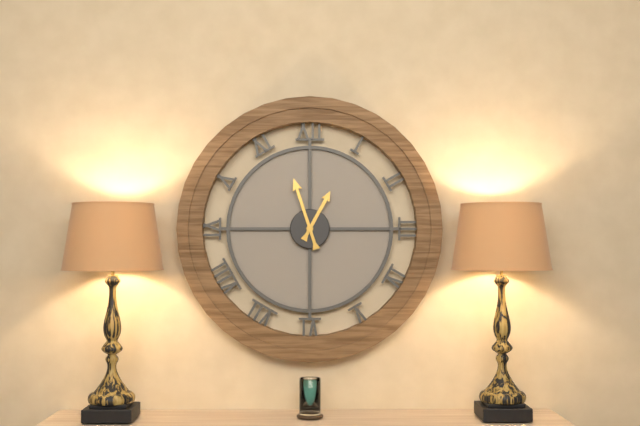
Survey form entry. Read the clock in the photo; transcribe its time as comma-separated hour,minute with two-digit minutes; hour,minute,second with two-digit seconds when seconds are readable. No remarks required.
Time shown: 12,57
